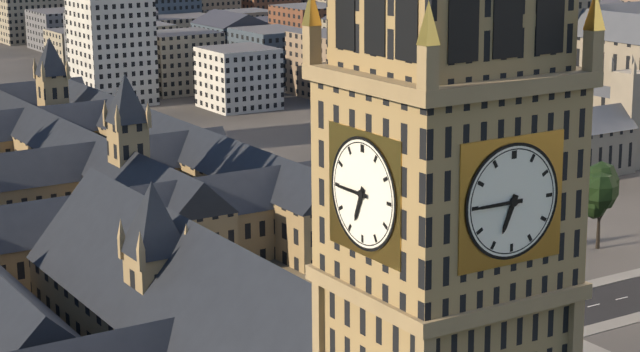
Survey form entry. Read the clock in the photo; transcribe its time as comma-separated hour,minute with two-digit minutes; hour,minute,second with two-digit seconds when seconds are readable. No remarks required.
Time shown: 6,45
